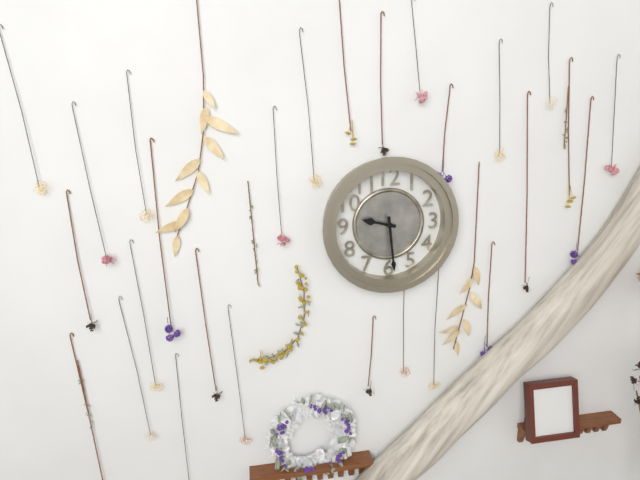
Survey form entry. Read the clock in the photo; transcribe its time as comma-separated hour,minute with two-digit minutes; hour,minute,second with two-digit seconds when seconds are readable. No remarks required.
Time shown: 9,29
